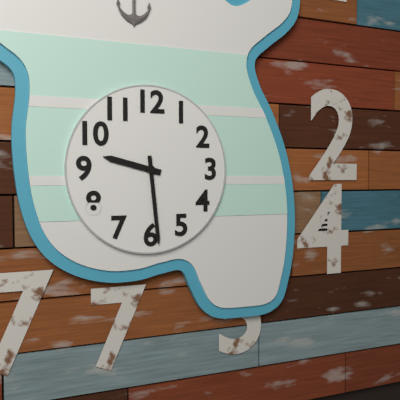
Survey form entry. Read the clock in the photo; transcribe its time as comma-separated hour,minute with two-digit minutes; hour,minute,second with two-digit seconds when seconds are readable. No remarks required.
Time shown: 9,29
